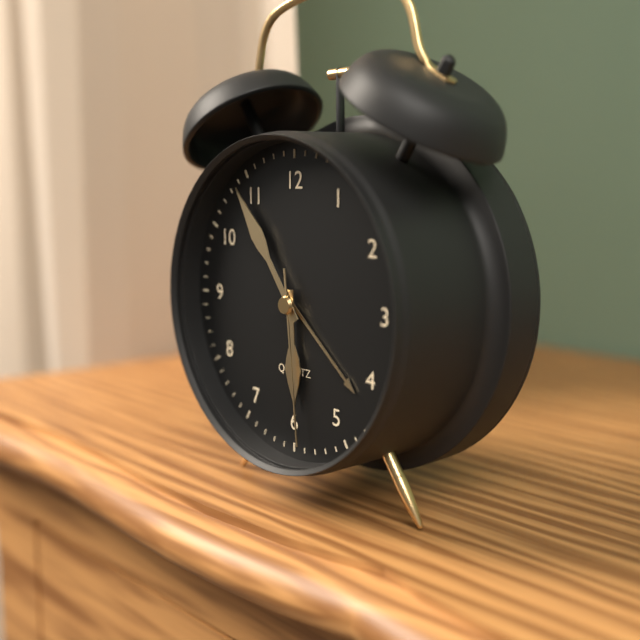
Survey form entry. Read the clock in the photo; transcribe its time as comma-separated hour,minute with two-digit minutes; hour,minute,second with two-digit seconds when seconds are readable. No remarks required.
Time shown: 5,54,29
